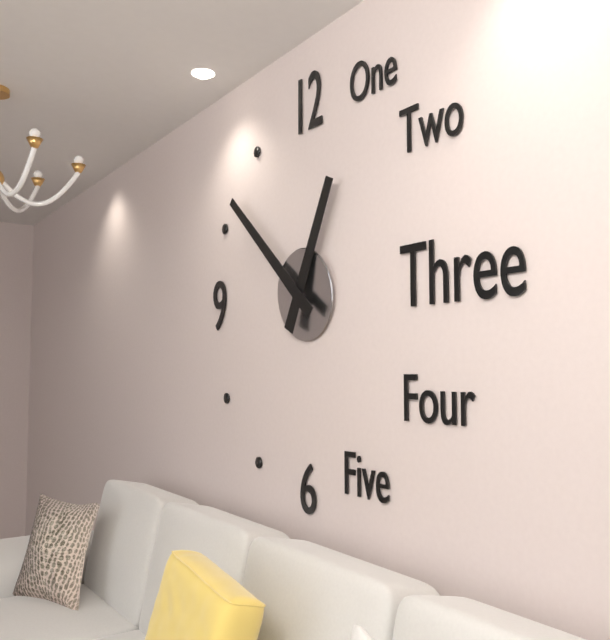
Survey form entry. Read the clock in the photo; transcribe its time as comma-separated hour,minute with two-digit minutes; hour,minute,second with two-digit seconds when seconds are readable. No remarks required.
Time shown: 12,52
